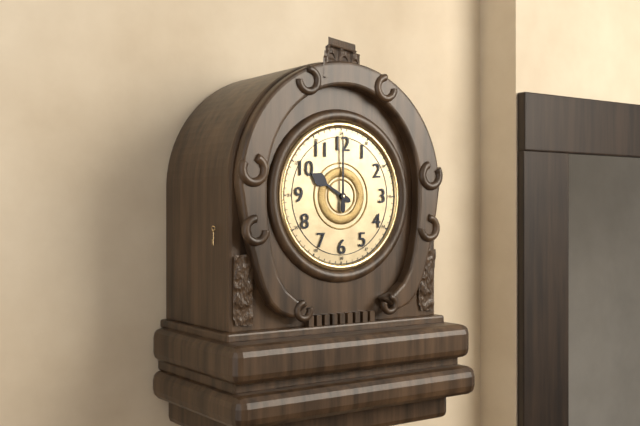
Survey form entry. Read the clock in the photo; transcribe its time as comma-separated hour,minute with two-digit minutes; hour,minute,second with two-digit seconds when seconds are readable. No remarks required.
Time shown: 10,00
